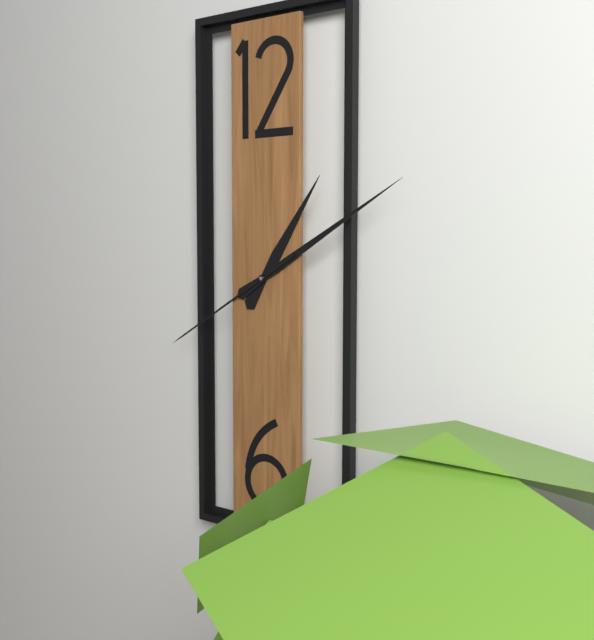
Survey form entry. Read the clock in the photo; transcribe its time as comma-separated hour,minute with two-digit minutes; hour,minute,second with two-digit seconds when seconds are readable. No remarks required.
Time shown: 1,10,40
